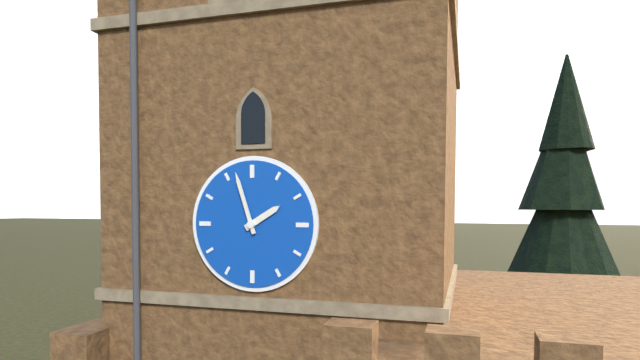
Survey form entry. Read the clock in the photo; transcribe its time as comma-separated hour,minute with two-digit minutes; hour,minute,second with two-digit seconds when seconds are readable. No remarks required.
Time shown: 1,57
